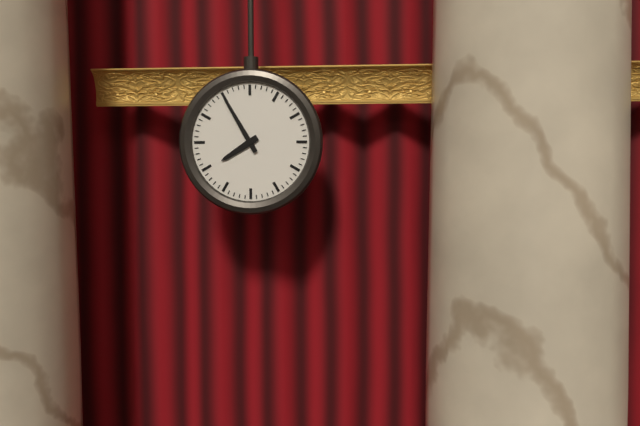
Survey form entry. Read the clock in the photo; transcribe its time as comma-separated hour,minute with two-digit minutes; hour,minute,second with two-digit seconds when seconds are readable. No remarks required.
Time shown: 7,55
